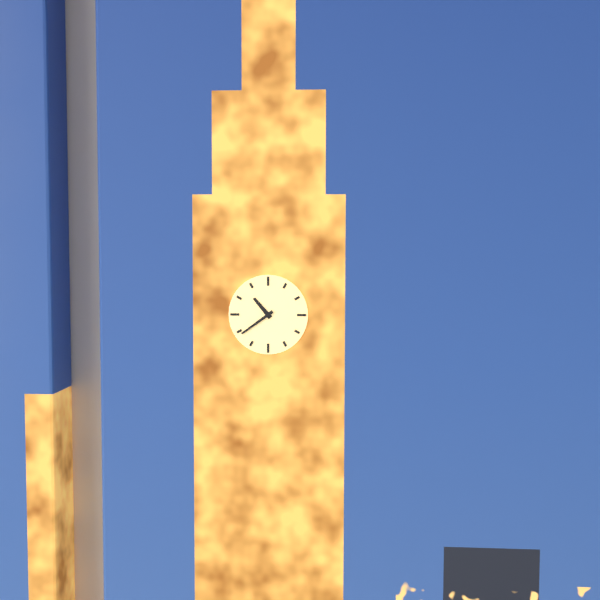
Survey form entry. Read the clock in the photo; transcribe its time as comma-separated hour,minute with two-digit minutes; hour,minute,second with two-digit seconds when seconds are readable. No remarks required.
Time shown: 10,39
